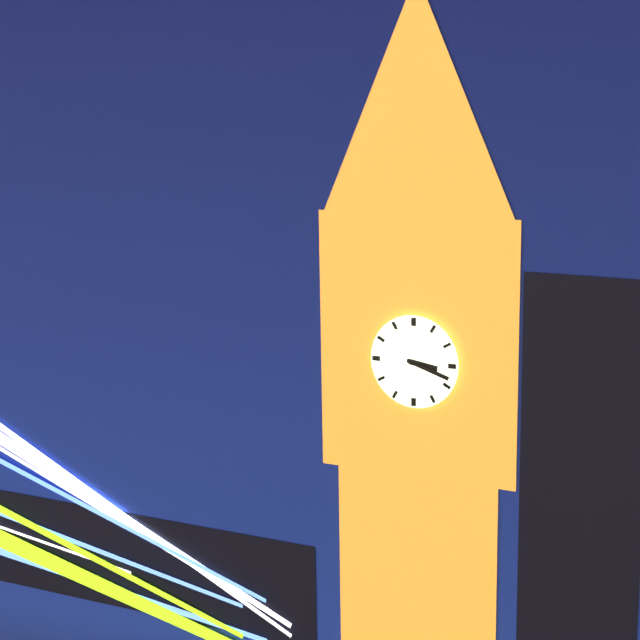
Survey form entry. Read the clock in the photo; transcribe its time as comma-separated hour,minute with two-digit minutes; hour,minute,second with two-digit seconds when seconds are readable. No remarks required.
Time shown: 3,18
